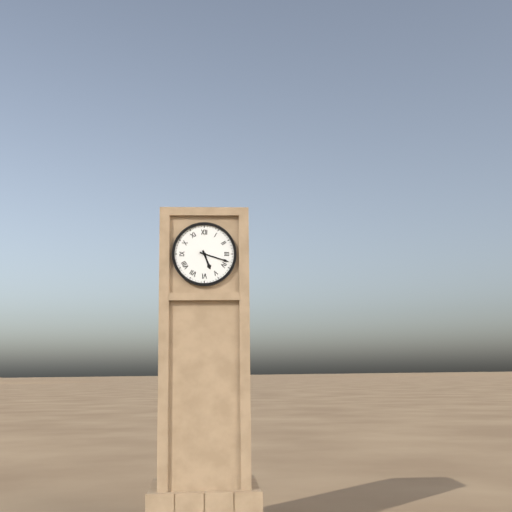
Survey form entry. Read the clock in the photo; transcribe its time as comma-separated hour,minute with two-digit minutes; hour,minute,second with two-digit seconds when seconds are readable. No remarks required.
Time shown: 5,18
